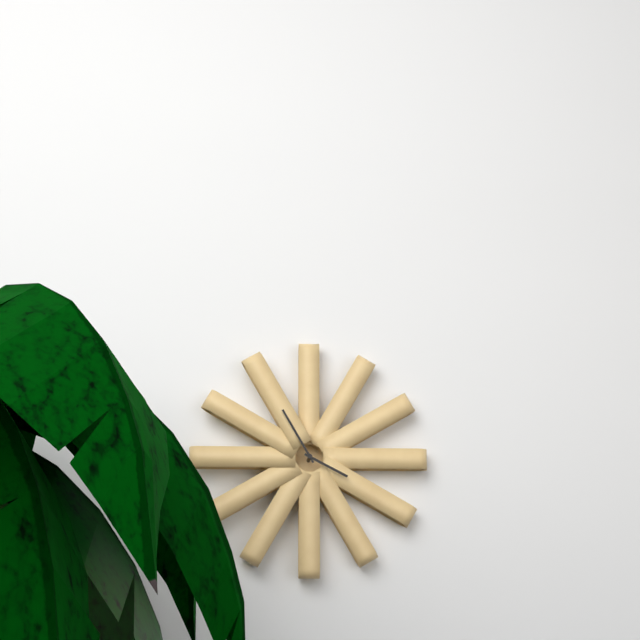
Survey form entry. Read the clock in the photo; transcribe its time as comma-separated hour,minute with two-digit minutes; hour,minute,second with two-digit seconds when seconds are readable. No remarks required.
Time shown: 3,55
